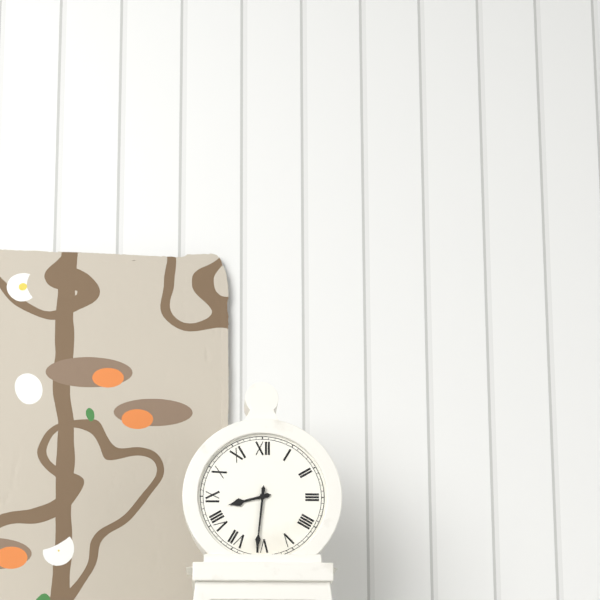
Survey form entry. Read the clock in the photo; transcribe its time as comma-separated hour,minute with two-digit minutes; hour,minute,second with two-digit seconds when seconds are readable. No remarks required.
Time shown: 8,31
